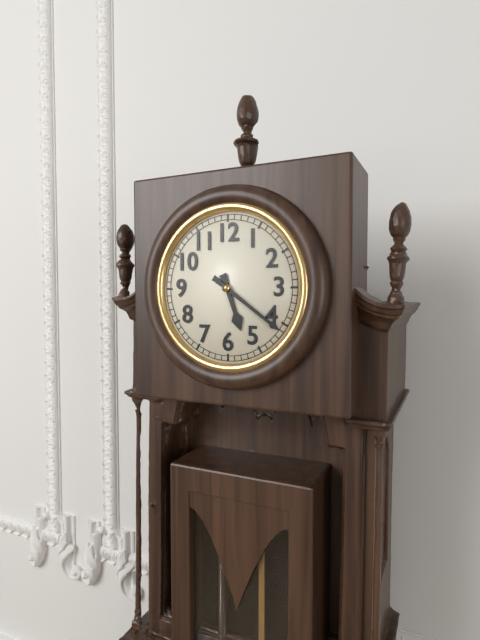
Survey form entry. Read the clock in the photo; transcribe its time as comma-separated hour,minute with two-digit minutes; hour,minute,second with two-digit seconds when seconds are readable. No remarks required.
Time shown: 5,21
